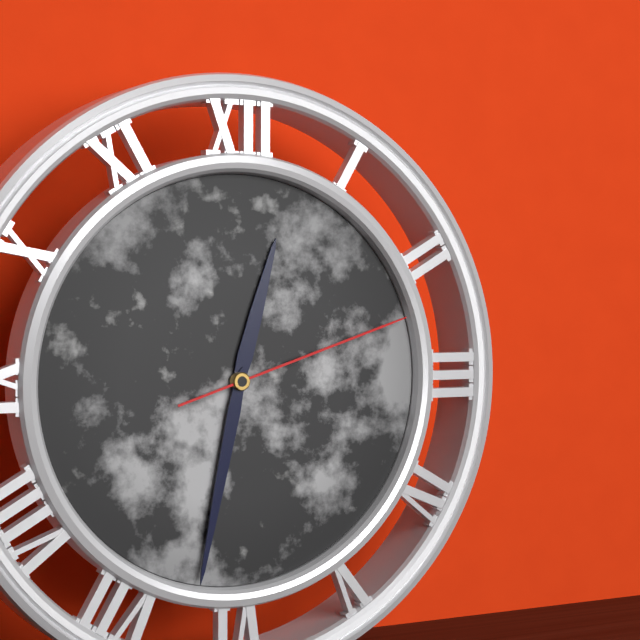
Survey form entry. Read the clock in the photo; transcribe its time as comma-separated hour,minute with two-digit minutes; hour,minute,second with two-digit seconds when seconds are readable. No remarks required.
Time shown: 12,32,12
